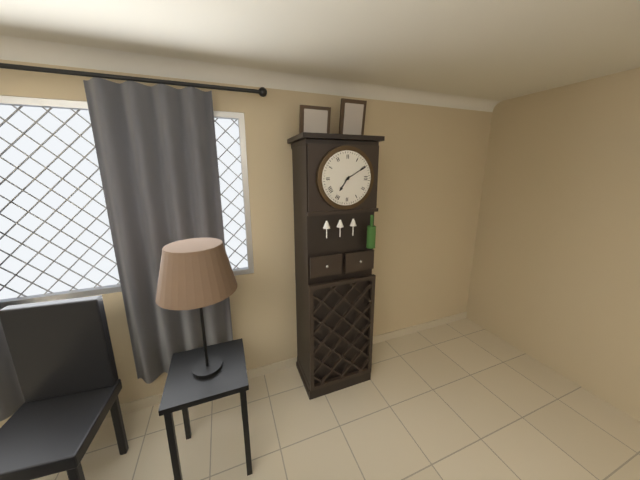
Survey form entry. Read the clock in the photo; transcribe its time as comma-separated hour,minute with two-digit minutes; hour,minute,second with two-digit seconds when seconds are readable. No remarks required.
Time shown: 7,10
